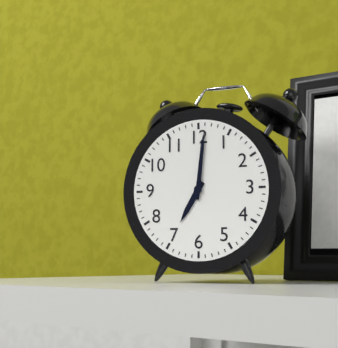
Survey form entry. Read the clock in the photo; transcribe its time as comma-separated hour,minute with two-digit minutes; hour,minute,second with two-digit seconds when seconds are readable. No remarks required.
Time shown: 7,01
